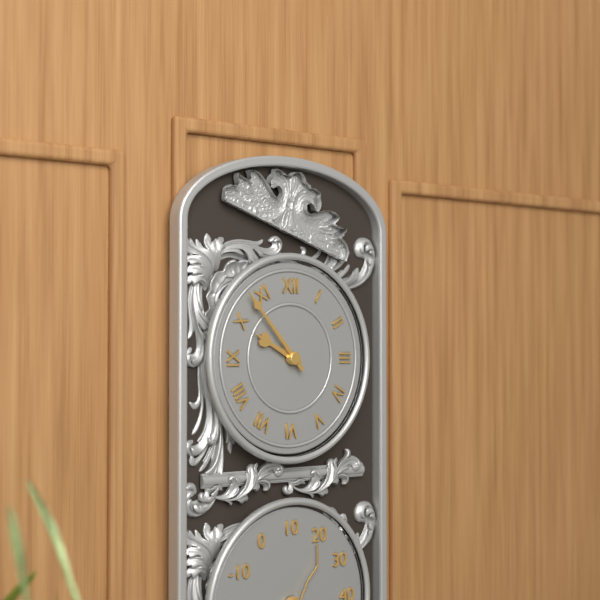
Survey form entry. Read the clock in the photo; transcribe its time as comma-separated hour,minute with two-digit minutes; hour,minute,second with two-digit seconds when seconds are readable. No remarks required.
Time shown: 9,53
